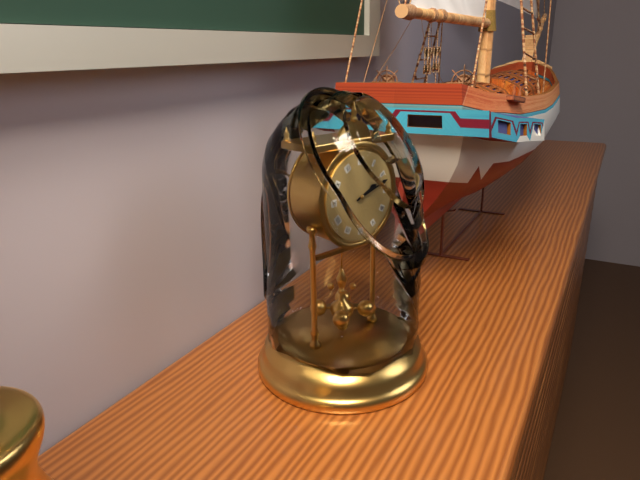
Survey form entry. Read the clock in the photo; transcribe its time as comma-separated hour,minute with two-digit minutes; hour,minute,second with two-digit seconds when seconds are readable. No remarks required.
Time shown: 2,12
